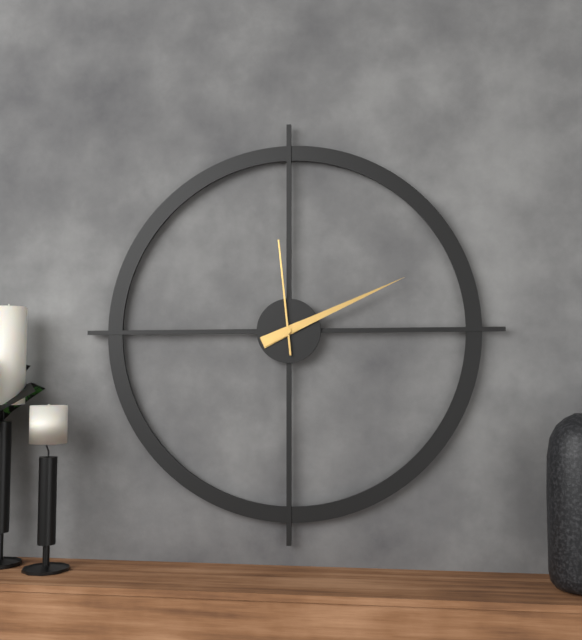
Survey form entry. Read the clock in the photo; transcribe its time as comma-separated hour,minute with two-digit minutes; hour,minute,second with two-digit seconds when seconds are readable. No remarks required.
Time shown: 2,11,59
